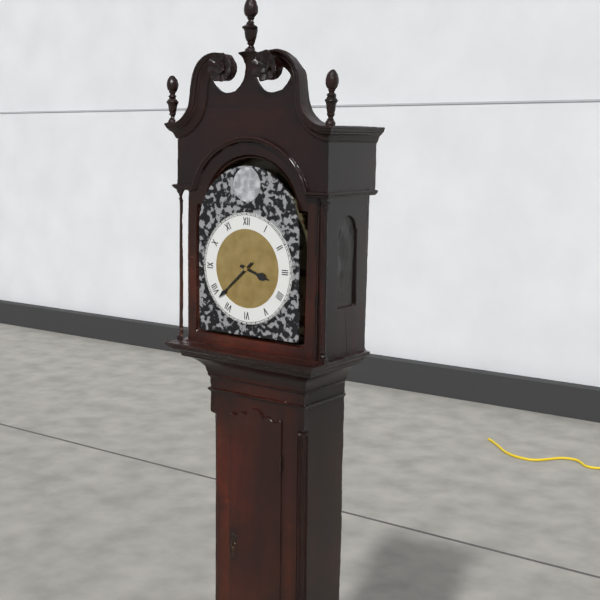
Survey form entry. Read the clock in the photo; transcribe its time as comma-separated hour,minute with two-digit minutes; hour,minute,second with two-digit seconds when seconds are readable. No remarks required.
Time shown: 3,38
